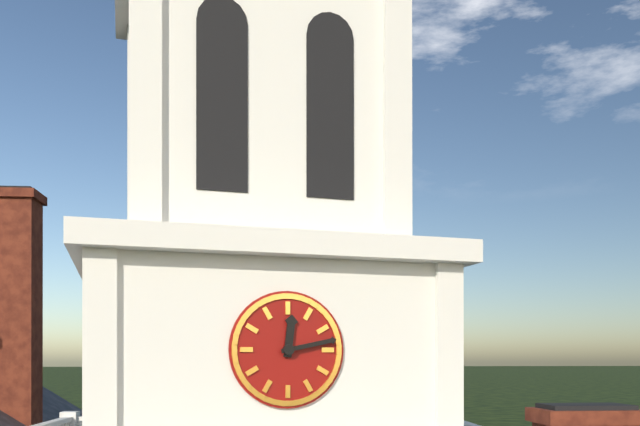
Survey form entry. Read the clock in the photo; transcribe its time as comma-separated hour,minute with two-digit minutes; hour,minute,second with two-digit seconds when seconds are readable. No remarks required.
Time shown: 12,13
